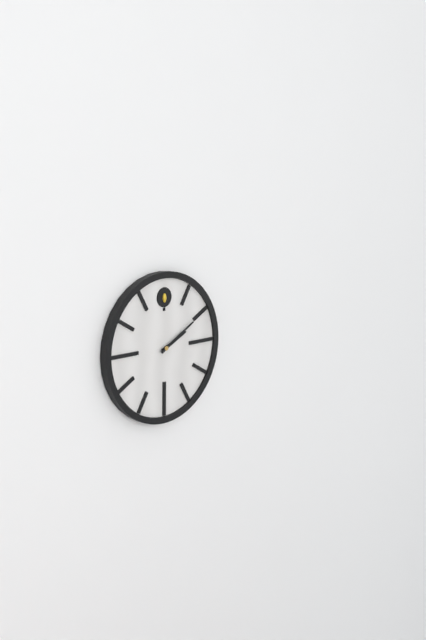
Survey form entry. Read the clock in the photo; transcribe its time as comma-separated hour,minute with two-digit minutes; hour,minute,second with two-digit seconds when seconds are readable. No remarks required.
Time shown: 2,10
